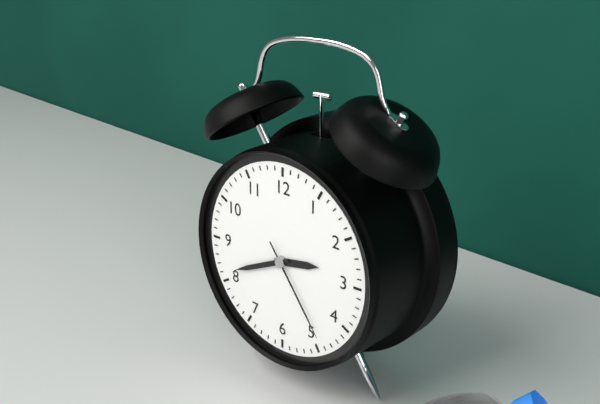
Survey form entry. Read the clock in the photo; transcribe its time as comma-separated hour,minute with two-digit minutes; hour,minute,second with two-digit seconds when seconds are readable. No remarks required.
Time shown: 2,41,24
